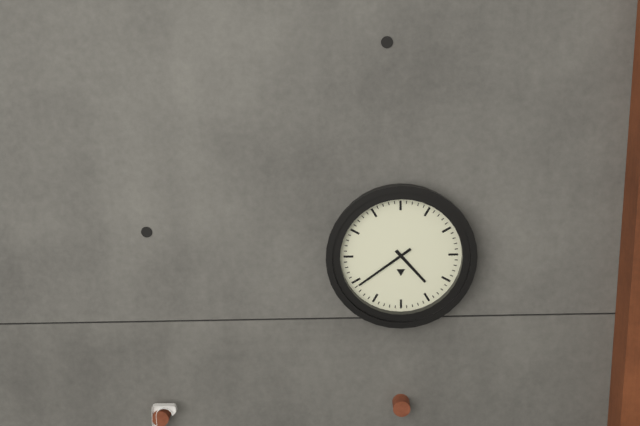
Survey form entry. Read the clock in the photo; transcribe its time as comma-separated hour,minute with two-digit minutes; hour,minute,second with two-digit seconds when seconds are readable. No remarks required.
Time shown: 4,39
